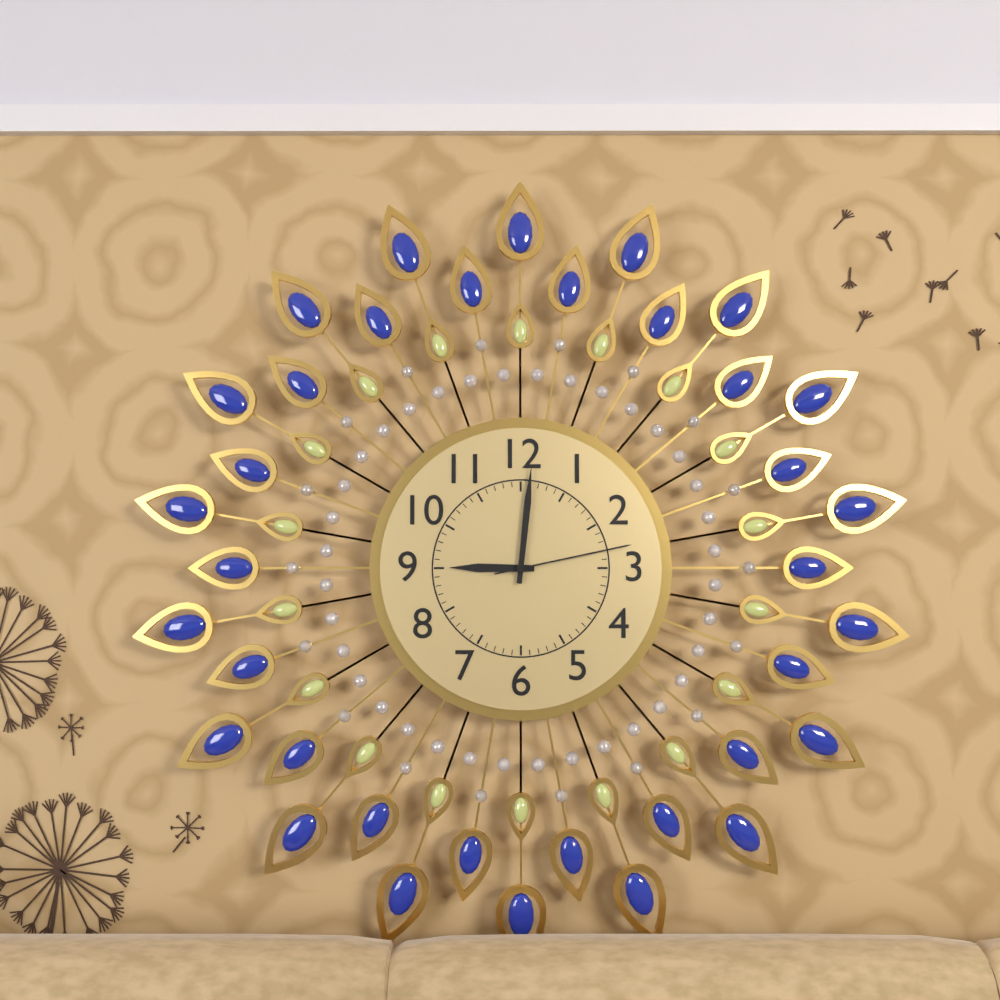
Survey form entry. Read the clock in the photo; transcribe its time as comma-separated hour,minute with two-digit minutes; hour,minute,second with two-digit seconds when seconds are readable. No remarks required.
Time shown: 9,01,13
